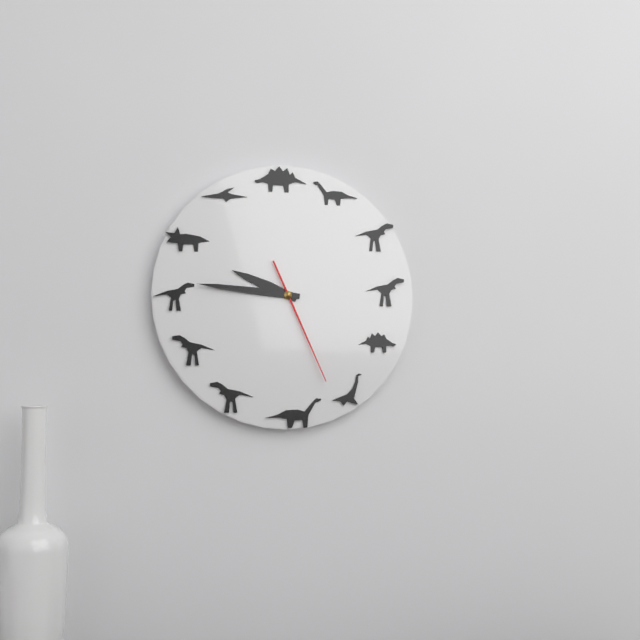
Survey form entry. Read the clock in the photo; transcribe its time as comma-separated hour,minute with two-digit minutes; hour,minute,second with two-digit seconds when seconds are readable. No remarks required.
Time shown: 9,46,26
